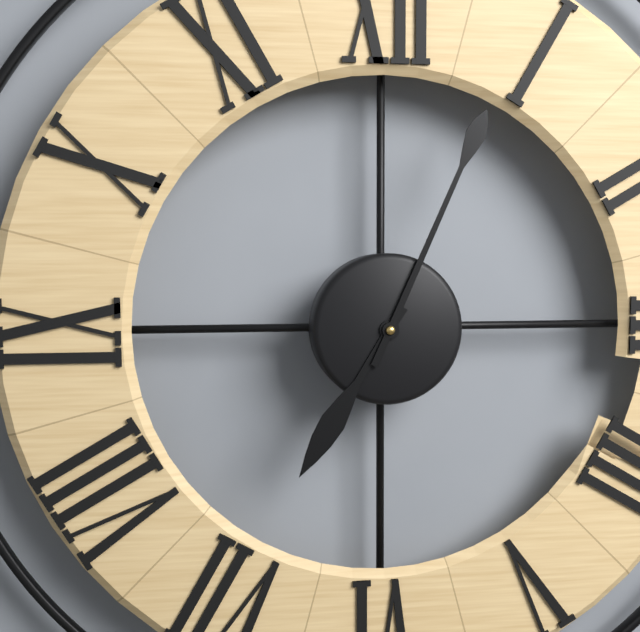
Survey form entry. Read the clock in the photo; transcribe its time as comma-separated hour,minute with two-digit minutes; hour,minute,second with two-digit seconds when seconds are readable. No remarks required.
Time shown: 7,04
